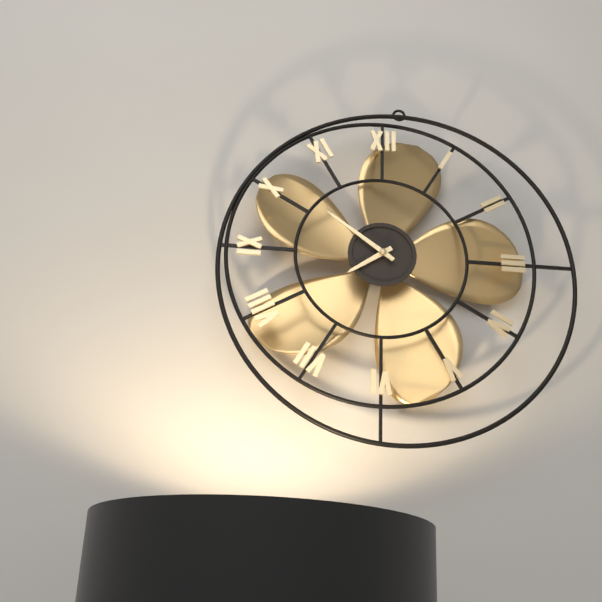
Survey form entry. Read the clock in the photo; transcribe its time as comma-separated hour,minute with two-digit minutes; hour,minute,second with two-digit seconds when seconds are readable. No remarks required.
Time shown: 7,51
